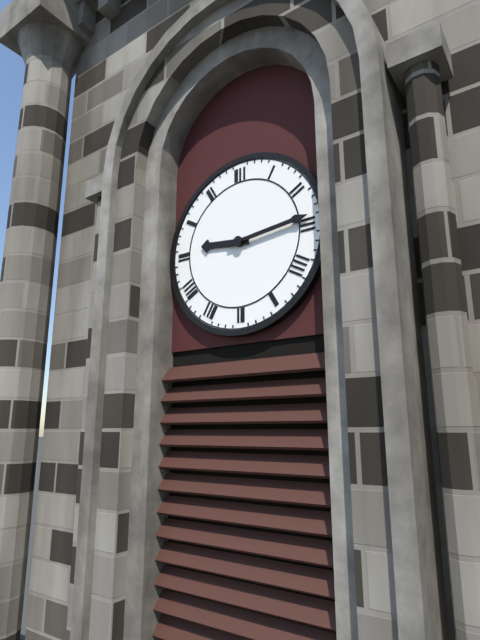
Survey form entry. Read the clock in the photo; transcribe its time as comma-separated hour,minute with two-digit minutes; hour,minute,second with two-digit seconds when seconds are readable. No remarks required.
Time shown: 9,14
